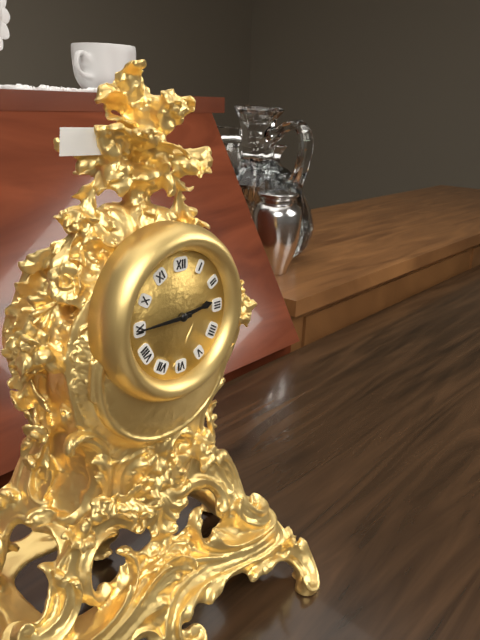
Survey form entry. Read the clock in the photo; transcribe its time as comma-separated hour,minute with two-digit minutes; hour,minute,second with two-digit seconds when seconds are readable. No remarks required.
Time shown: 2,45
